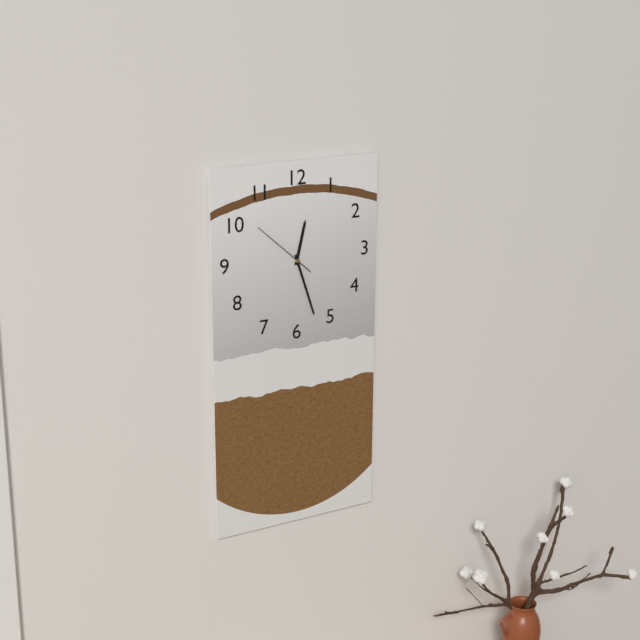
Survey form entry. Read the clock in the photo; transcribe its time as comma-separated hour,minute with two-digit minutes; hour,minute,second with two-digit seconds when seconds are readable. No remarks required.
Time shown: 12,27,52
